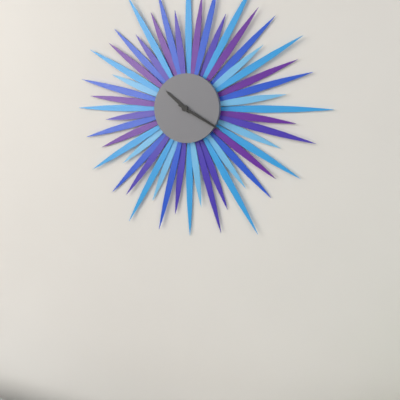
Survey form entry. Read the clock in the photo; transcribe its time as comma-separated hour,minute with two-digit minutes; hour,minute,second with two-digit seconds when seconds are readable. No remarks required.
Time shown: 10,20
